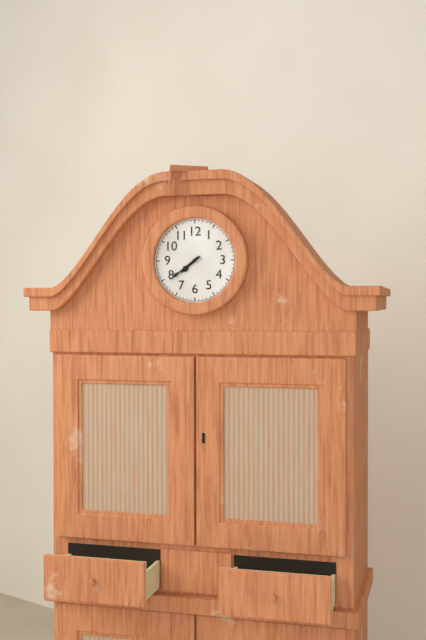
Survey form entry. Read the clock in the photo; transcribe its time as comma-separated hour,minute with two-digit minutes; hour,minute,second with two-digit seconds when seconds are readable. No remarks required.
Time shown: 7,39
